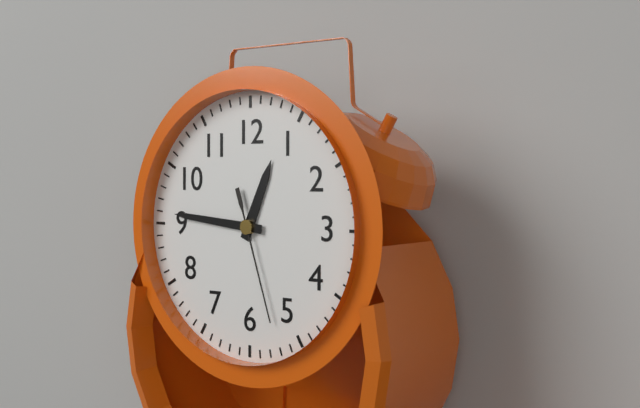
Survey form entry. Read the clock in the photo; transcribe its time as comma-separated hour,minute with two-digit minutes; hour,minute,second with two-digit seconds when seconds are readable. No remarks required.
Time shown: 12,46,27
